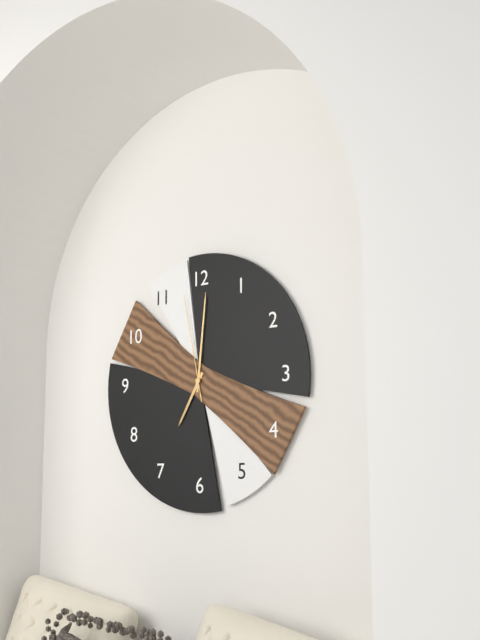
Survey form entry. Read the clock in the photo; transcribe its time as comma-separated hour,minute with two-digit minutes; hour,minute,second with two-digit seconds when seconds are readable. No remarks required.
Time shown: 7,01,58
